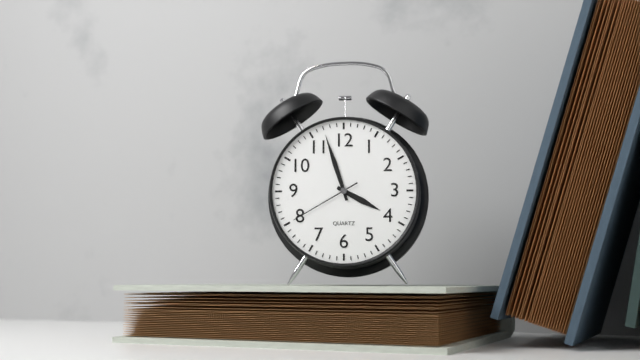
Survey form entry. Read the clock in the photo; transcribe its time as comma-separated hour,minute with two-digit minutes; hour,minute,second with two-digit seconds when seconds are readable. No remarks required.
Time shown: 3,57,40
